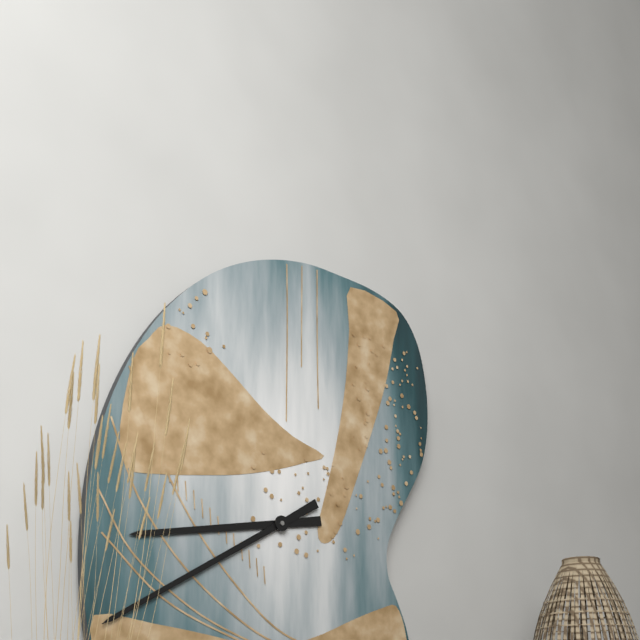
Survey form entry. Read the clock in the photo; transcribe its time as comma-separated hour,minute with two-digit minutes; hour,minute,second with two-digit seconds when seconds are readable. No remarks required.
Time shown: 8,40
